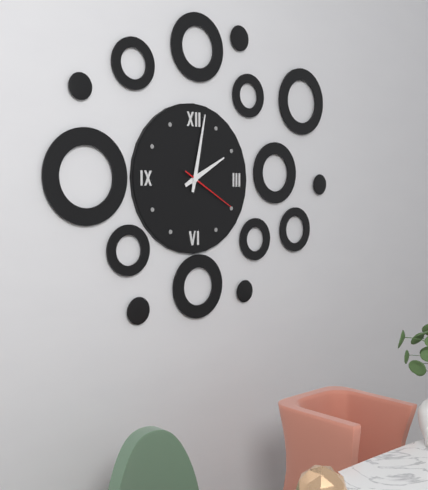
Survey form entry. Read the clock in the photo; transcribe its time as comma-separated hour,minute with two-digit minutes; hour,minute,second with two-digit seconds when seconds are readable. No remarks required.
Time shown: 2,02,20
